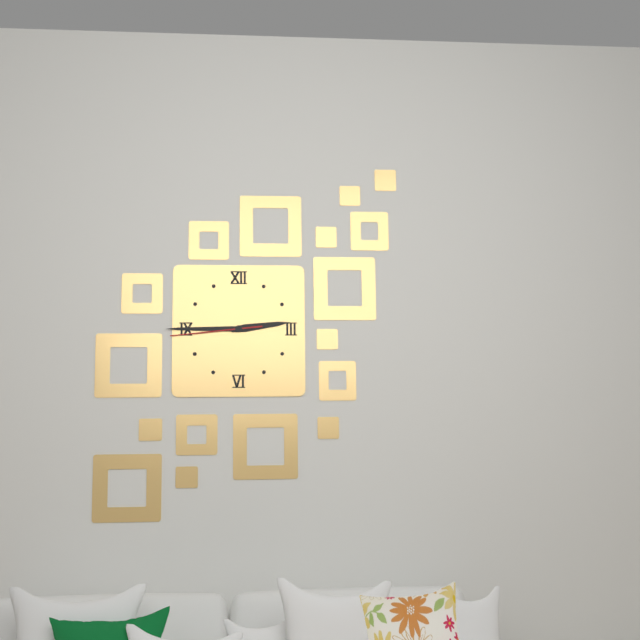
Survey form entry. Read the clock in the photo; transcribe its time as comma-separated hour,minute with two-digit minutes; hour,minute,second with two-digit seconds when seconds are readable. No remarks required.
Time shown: 2,45,44
